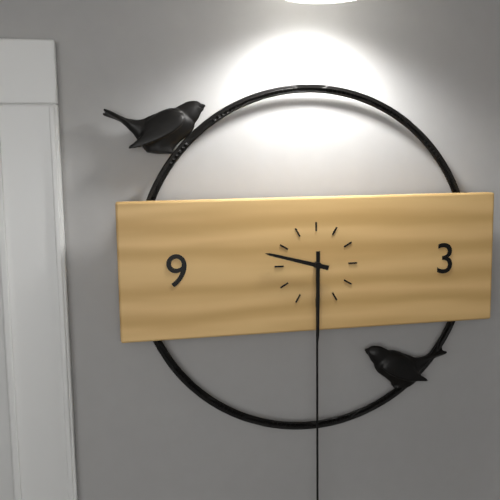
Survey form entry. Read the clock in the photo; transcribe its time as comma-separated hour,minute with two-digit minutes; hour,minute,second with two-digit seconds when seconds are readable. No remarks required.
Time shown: 9,30
